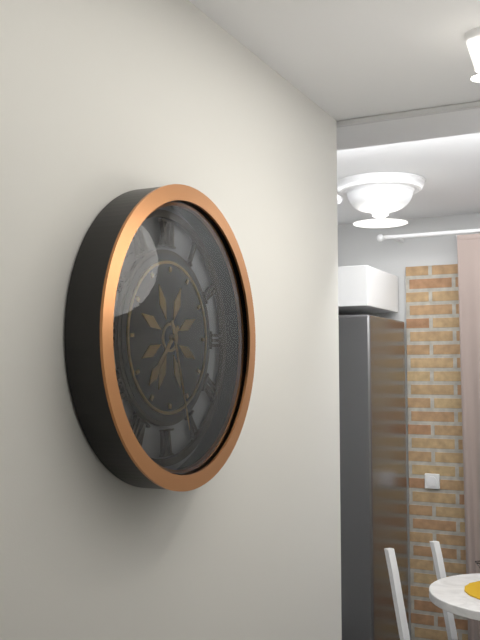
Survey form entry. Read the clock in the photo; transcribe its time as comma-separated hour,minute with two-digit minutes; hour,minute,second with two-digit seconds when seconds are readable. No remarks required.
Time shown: 7,27
